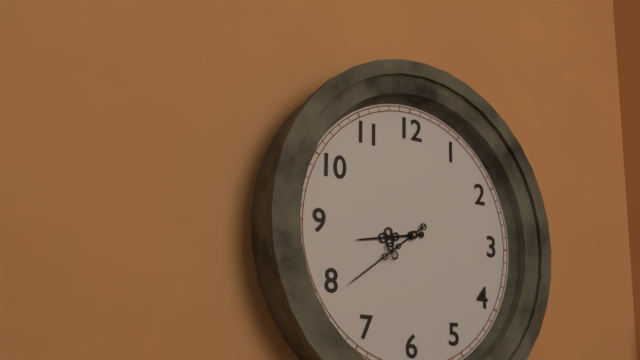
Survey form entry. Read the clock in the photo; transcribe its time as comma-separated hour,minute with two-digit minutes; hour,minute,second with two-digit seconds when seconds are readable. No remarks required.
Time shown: 8,39
